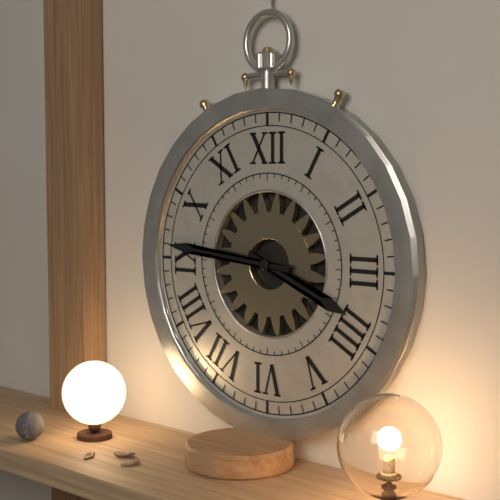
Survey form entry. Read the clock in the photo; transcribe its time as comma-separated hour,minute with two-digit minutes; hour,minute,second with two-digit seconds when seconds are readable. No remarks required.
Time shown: 3,46
